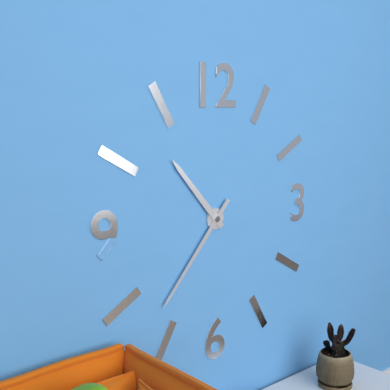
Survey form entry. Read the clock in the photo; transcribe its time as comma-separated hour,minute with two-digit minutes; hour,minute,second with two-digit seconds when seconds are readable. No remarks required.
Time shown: 10,37
